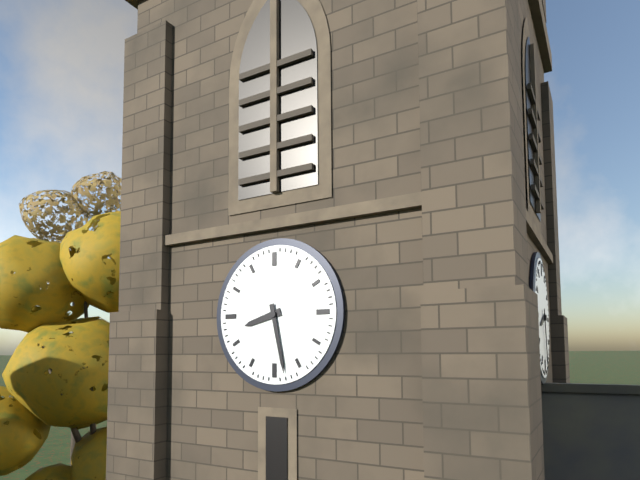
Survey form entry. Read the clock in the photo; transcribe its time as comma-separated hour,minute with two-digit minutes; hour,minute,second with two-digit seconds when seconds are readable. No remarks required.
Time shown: 8,28
